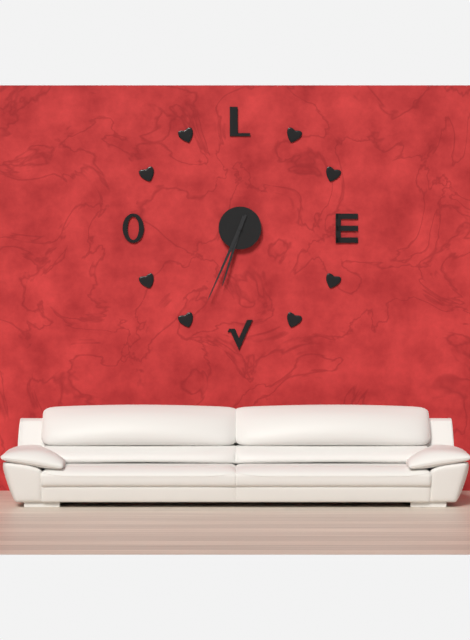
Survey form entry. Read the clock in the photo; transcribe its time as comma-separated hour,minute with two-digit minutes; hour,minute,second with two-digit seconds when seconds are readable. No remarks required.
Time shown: 6,34
